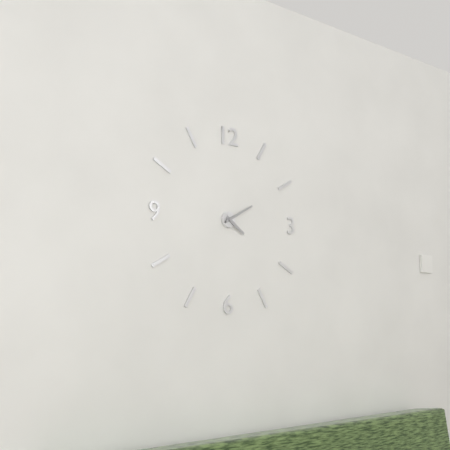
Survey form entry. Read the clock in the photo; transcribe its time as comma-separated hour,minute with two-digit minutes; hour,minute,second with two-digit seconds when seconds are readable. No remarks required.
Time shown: 4,10
